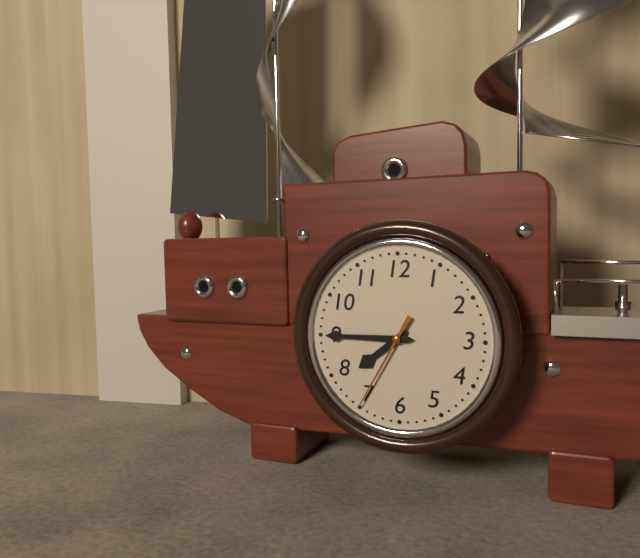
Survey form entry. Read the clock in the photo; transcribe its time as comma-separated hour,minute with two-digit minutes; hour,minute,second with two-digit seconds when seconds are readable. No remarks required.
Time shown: 7,45,35
